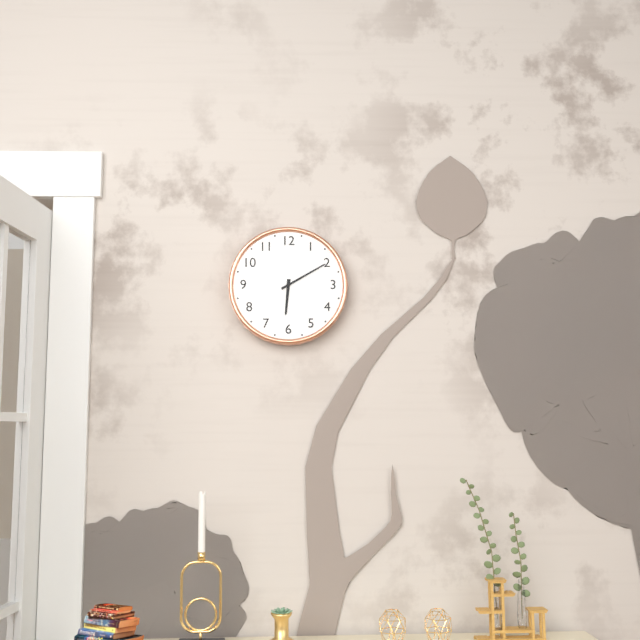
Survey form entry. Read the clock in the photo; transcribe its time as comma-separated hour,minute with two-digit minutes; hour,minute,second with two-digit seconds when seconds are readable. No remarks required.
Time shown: 6,10
